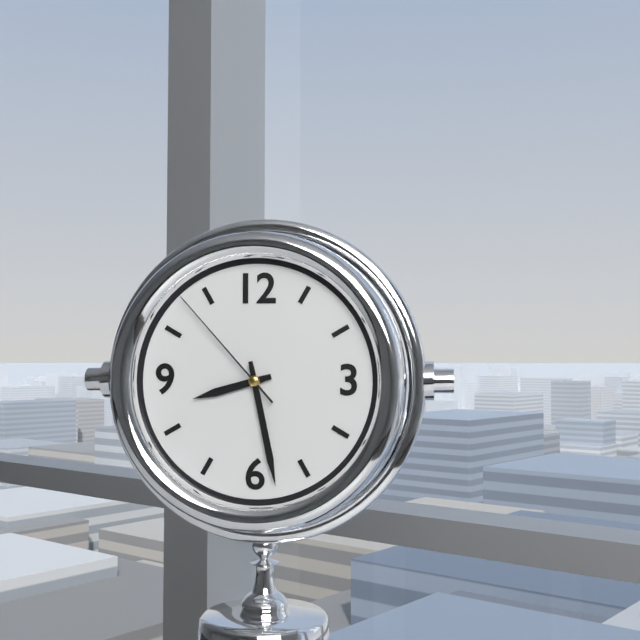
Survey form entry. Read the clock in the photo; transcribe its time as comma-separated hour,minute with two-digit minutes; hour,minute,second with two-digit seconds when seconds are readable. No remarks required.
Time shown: 8,28,53
